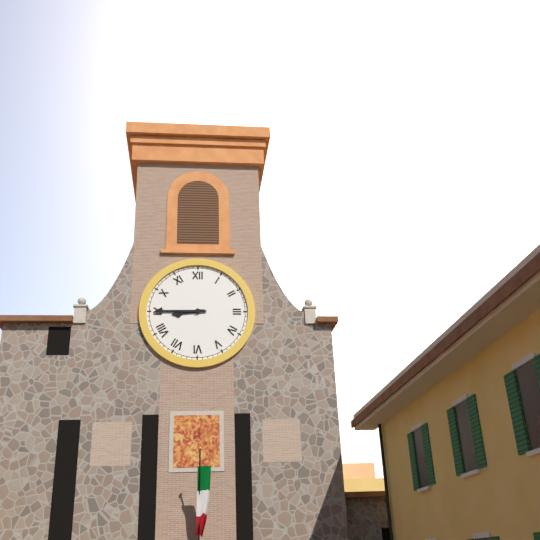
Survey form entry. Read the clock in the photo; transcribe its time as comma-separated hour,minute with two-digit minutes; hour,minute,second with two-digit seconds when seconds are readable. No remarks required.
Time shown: 8,45
